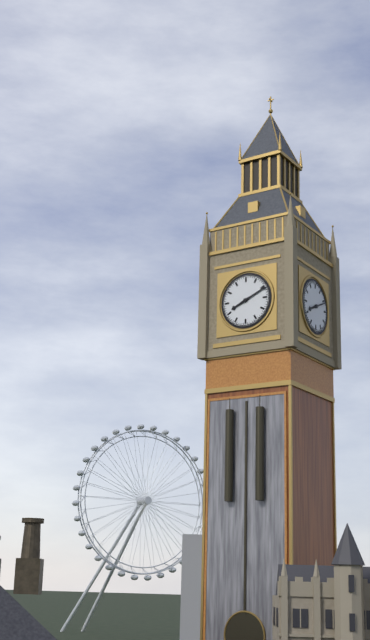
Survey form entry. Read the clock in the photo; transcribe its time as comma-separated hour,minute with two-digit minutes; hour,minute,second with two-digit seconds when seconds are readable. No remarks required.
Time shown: 8,11
